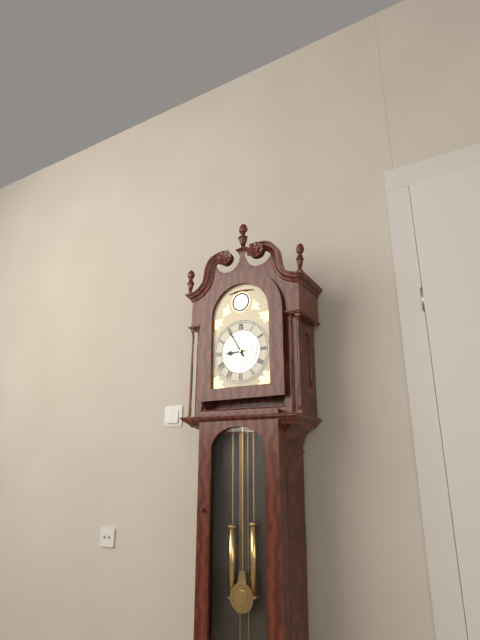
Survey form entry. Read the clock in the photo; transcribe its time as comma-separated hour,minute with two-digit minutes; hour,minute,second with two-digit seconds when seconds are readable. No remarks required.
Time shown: 8,55
